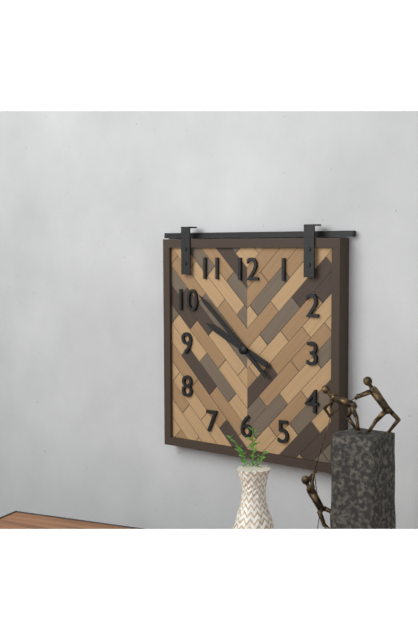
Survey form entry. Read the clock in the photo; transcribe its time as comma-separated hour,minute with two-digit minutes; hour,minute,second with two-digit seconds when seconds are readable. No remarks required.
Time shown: 9,52
